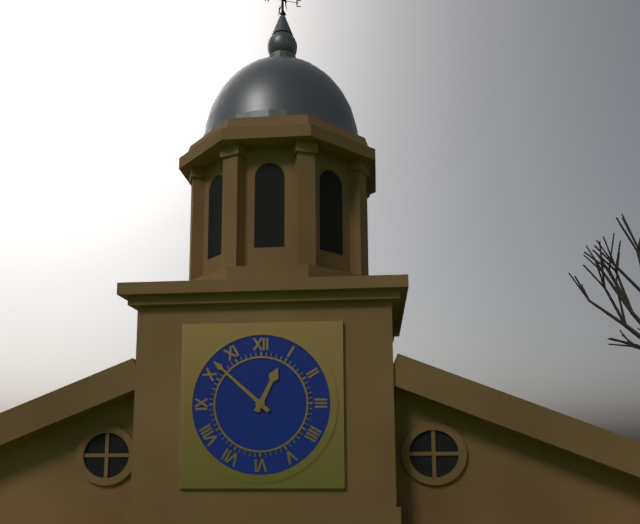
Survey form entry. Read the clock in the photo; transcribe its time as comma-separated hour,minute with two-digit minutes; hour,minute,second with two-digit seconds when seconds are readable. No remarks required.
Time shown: 12,52
